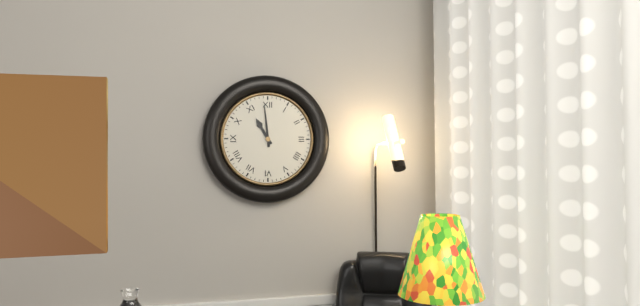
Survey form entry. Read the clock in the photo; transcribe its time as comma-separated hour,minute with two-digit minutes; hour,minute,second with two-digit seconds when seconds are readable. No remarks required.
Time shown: 10,59
